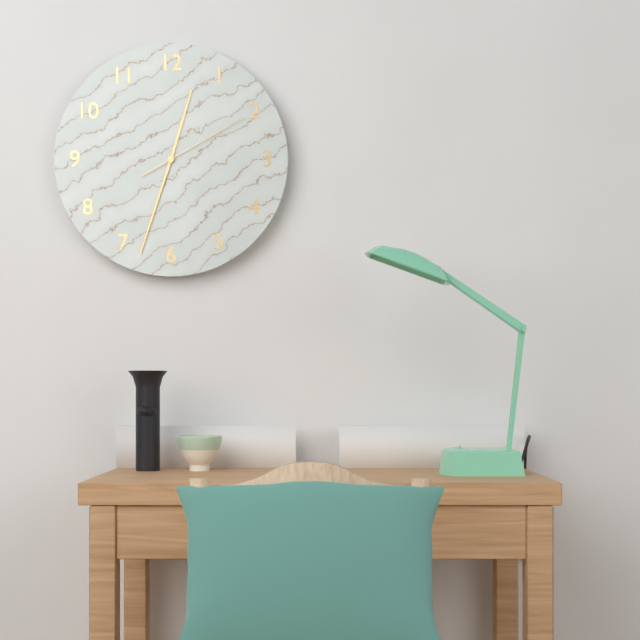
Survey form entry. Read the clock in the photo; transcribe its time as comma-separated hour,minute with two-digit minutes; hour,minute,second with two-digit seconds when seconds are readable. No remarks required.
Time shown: 12,33,10
